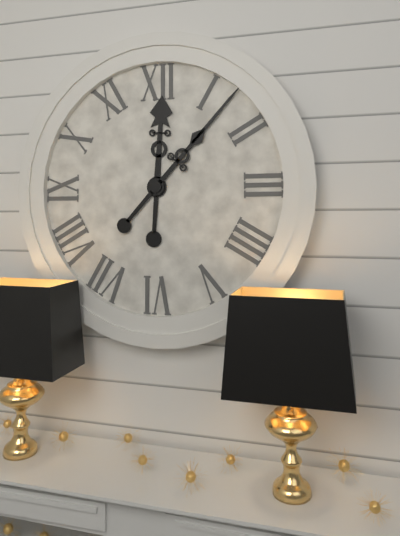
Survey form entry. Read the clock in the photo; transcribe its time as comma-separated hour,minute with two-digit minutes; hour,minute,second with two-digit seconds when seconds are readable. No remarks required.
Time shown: 12,07
